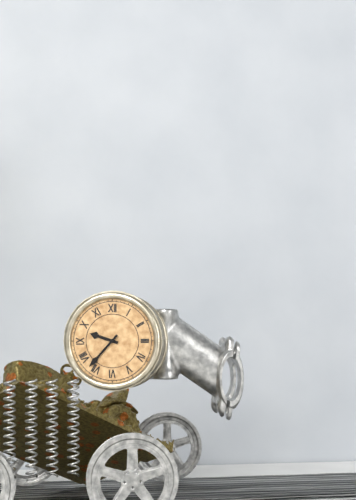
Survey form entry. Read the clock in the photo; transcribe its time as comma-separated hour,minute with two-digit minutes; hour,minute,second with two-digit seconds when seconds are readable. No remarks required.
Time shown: 9,37
